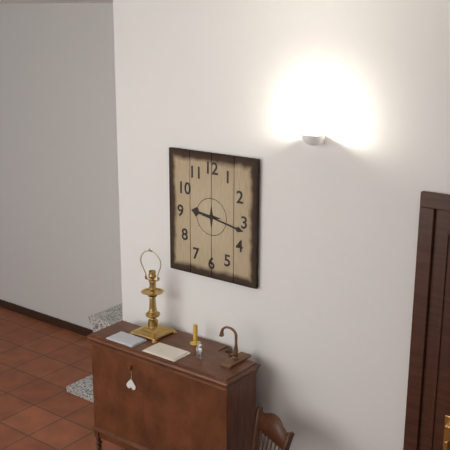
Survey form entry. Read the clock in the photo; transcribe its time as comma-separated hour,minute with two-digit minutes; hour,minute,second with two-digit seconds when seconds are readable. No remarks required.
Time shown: 9,17
